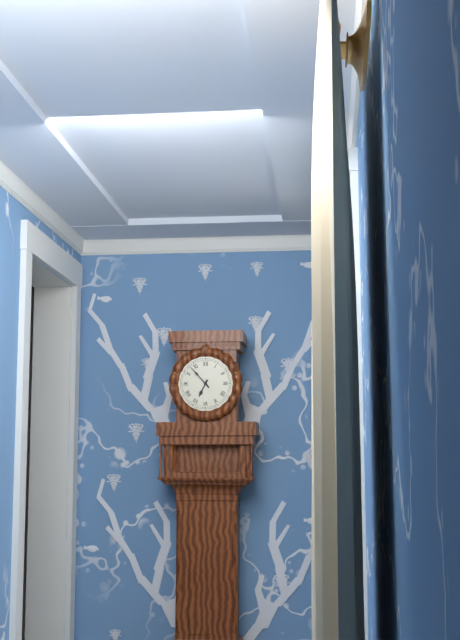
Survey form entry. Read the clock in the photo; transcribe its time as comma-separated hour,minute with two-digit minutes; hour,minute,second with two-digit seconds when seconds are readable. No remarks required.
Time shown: 6,53
